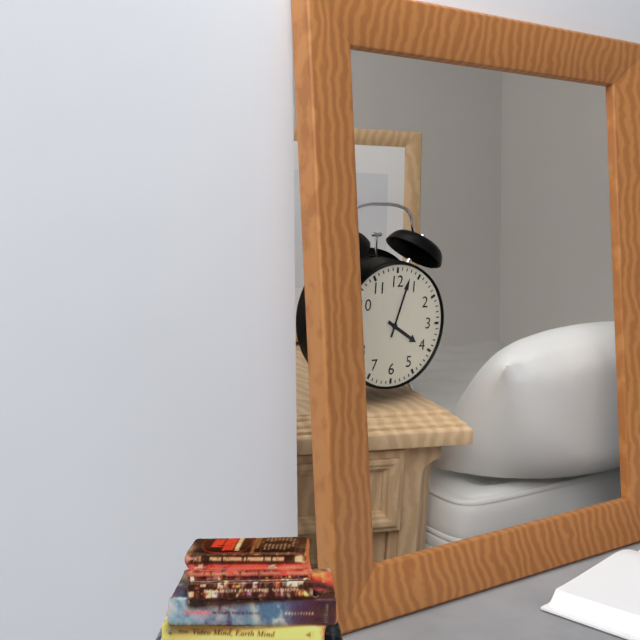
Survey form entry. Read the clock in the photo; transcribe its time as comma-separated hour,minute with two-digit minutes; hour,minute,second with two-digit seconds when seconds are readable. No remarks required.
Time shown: 4,03
